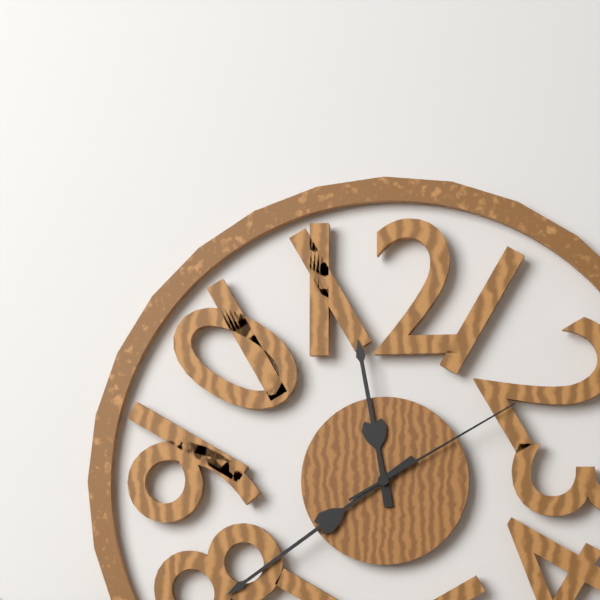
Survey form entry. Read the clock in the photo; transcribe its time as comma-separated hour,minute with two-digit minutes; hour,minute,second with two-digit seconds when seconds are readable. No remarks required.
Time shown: 11,39,10
